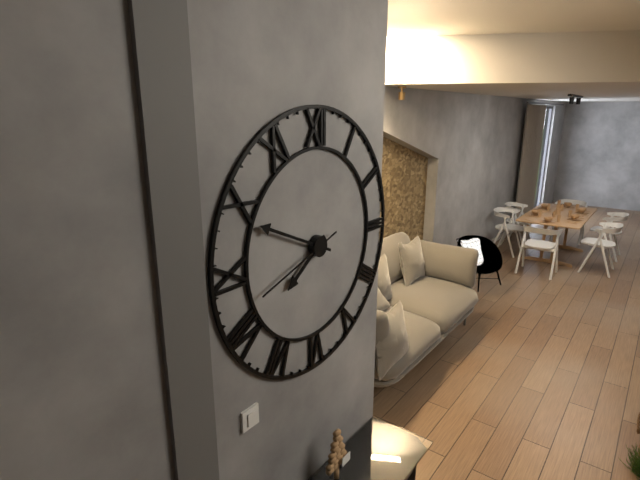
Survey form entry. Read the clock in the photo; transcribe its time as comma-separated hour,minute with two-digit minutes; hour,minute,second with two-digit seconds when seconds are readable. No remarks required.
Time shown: 7,49,42
